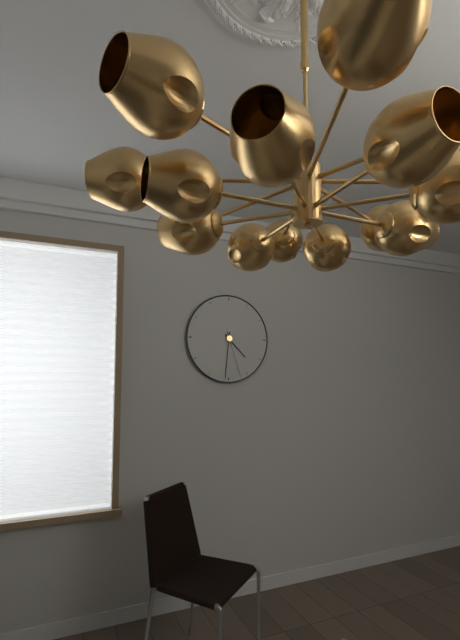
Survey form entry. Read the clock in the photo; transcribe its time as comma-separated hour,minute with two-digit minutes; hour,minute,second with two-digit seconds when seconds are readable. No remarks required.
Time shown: 4,31,27
